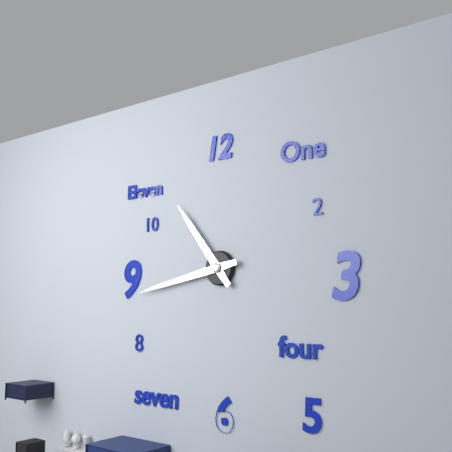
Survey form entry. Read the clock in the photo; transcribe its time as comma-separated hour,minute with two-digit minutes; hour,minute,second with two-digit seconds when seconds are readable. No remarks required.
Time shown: 10,43
